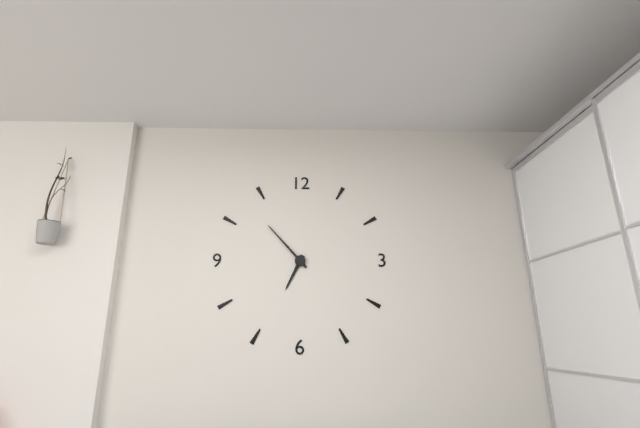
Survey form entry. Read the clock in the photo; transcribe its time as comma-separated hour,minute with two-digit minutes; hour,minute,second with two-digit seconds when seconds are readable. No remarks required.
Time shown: 6,53
